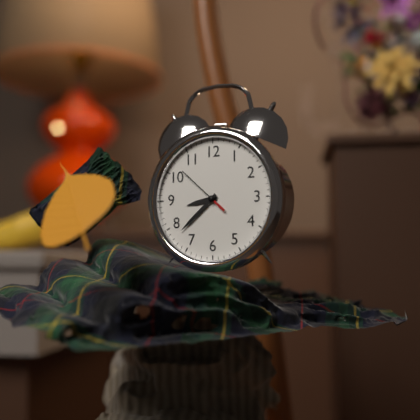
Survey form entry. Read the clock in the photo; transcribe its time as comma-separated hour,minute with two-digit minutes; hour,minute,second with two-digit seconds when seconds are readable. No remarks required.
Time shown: 8,38,52
